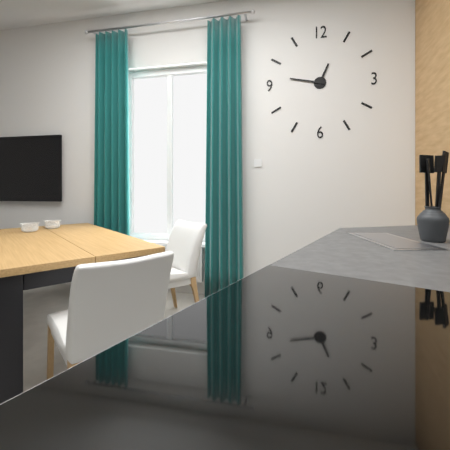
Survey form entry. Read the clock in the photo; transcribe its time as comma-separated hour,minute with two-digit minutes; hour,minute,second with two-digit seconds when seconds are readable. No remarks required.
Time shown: 12,47
